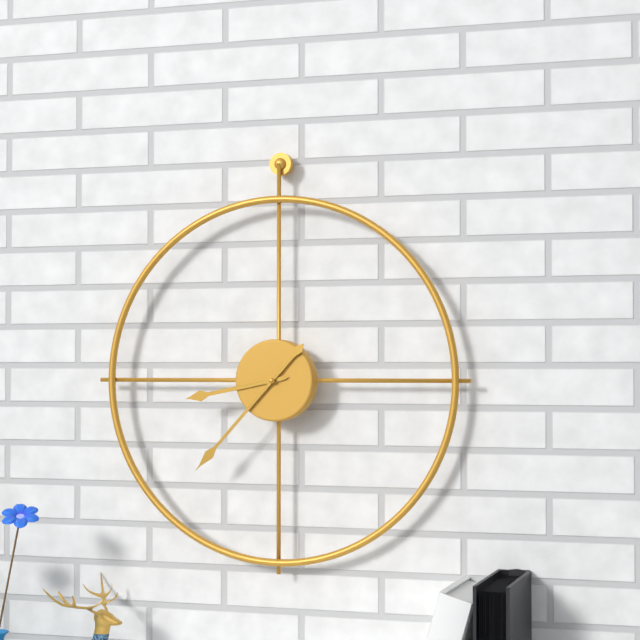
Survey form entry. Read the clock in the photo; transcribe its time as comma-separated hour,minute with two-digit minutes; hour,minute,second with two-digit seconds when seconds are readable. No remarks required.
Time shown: 8,37
